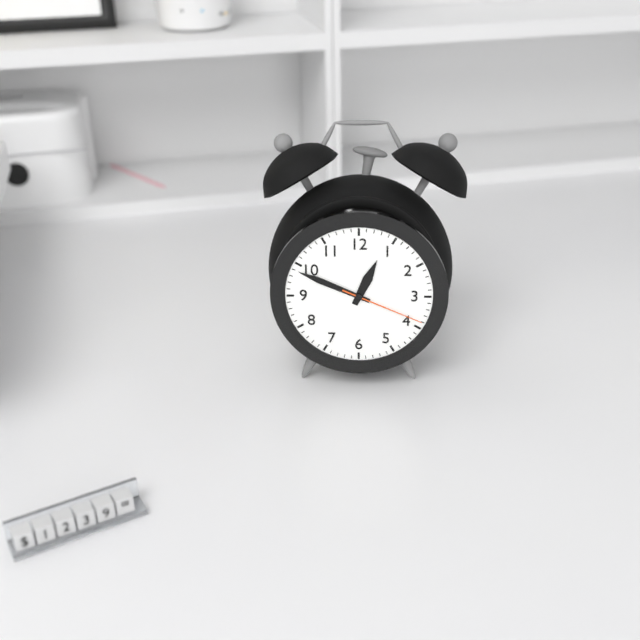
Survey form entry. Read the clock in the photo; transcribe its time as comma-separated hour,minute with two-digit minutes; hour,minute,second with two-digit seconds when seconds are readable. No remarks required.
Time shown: 12,49,19
